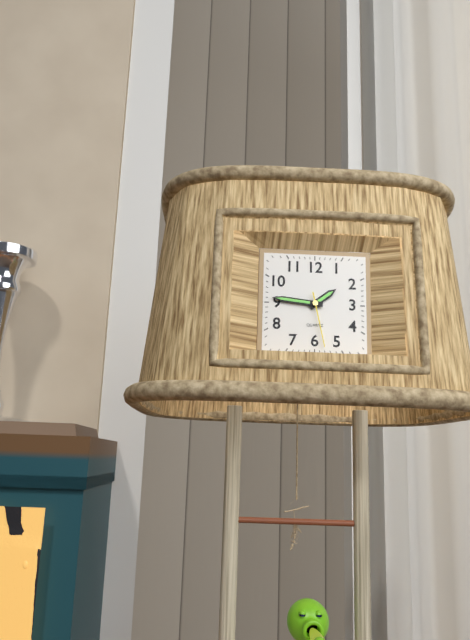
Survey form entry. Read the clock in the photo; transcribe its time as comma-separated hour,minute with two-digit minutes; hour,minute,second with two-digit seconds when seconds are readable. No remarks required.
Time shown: 1,46,28
